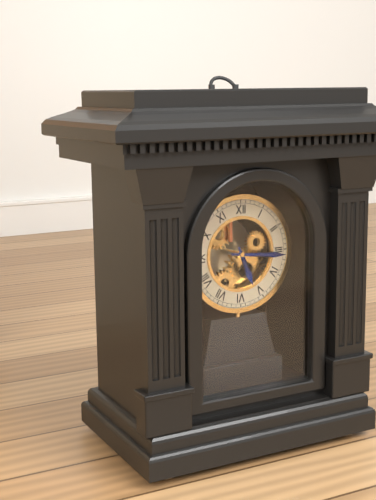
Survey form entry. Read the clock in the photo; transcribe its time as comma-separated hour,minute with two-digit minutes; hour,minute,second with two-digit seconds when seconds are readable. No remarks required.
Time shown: 5,16
